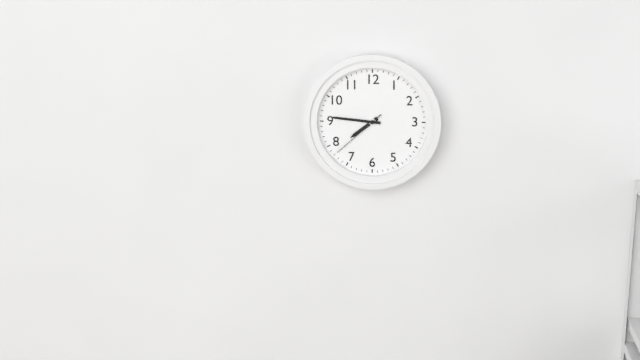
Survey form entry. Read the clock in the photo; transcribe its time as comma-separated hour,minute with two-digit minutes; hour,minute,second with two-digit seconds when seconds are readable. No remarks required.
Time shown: 7,46,38
